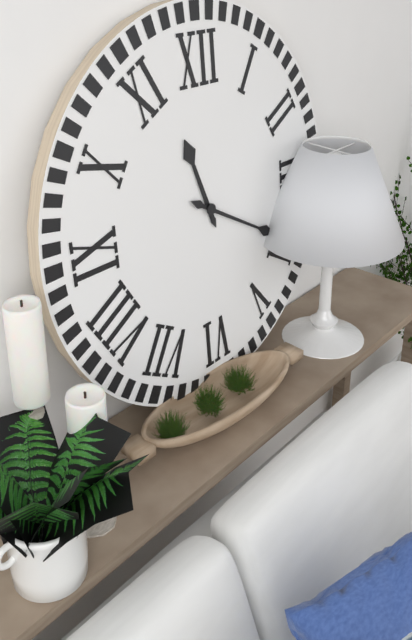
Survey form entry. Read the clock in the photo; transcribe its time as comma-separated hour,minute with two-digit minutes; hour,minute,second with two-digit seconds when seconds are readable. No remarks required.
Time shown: 11,20
